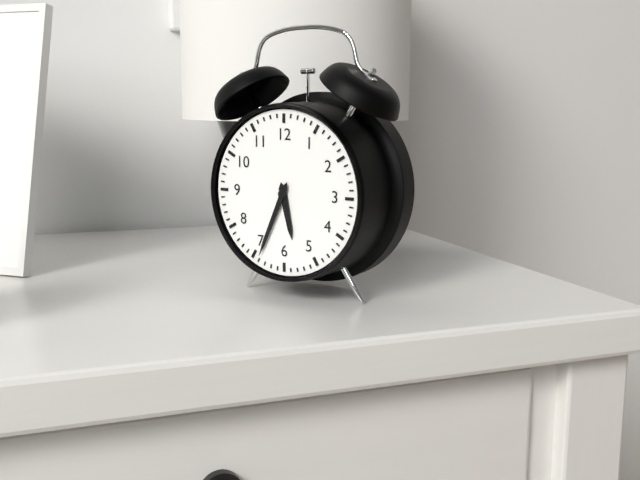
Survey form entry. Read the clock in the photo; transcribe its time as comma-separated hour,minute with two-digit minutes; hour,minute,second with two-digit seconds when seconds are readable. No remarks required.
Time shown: 5,34
